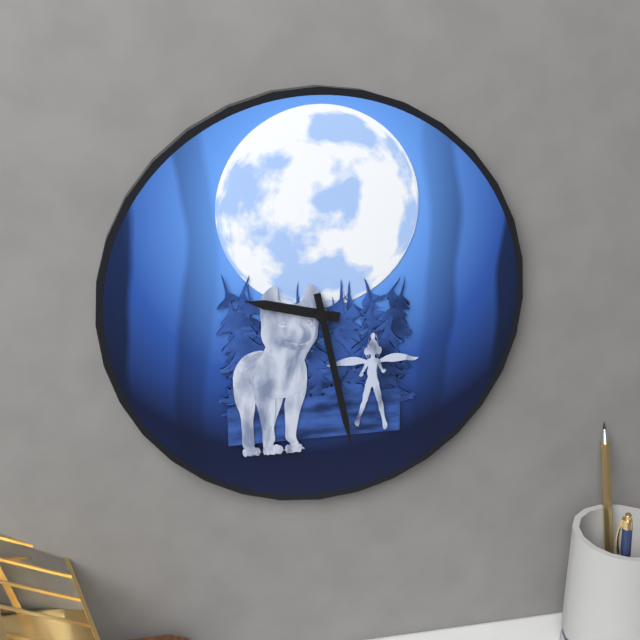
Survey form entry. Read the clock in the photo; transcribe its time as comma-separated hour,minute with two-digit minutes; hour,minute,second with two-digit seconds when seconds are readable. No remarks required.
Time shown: 9,28
